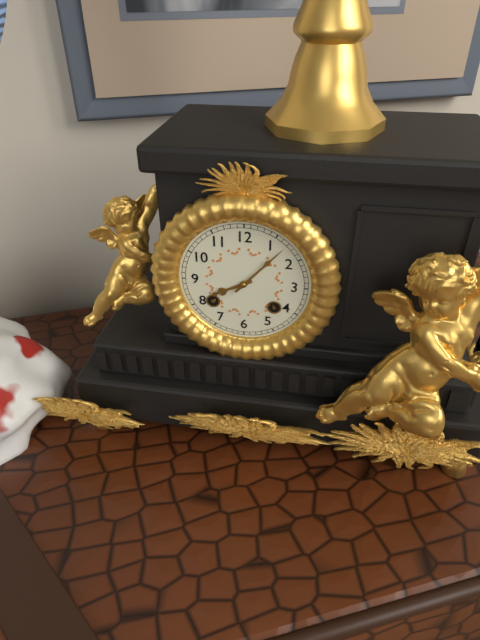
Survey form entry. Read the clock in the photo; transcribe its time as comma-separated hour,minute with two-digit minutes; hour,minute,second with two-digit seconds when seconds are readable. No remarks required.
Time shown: 8,07
